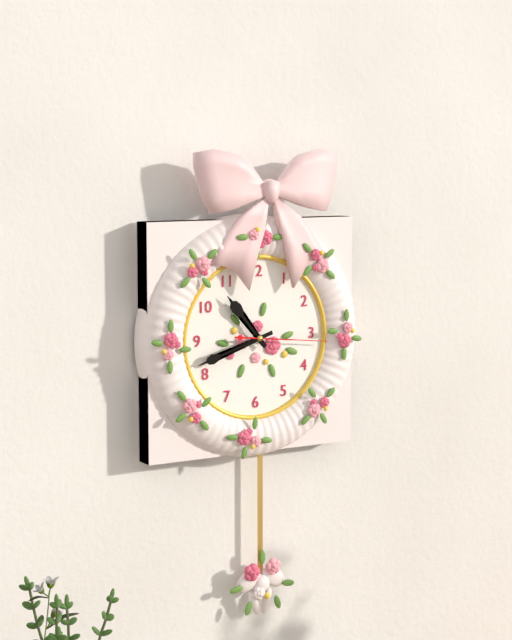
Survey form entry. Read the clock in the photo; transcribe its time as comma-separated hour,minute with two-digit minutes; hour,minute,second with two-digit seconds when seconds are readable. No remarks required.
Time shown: 10,42,16
